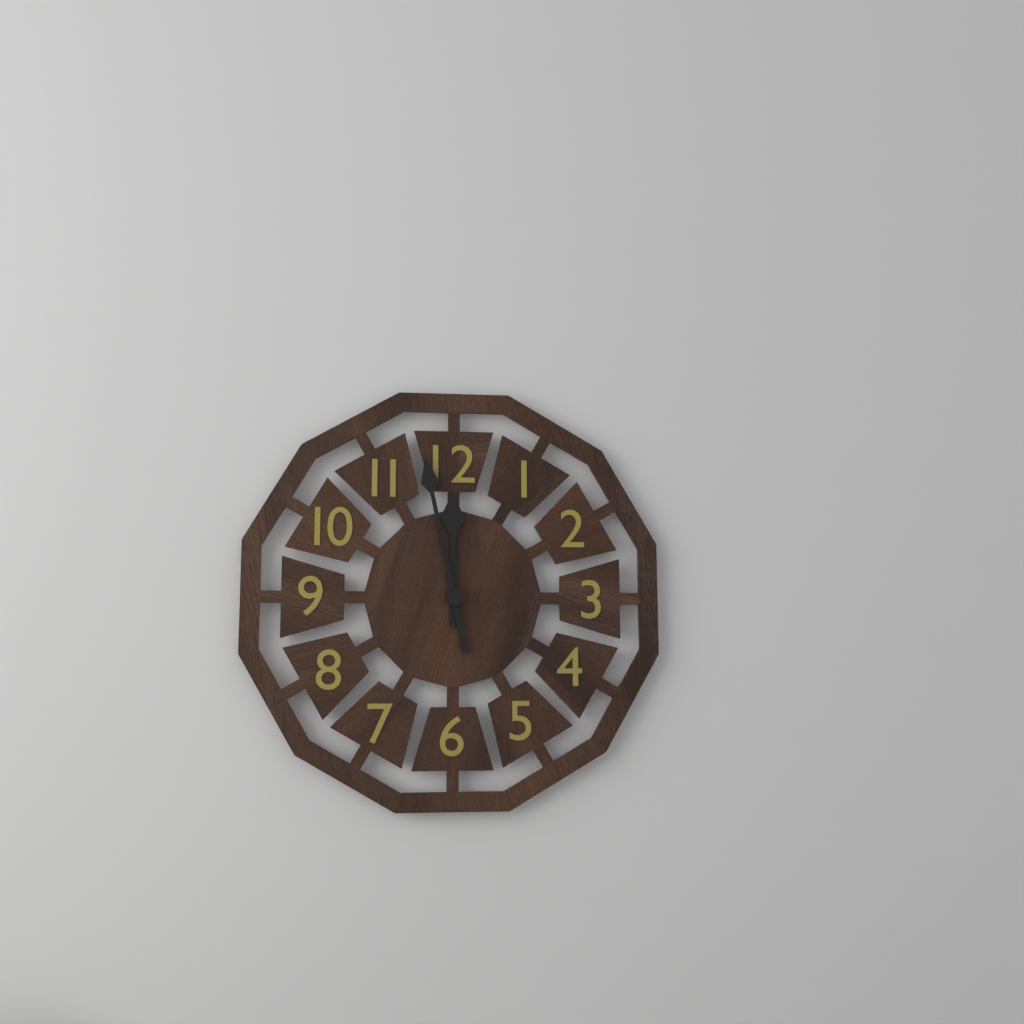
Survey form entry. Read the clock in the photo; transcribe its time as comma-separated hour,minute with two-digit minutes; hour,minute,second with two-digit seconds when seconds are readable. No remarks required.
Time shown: 11,58
